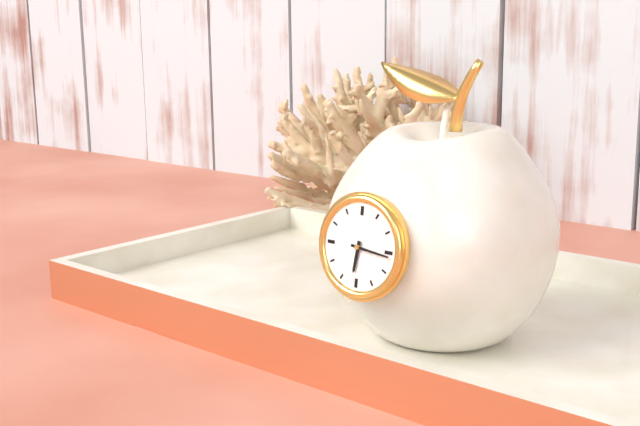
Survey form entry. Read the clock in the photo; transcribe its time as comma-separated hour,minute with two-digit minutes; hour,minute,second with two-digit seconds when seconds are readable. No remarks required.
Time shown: 6,16
